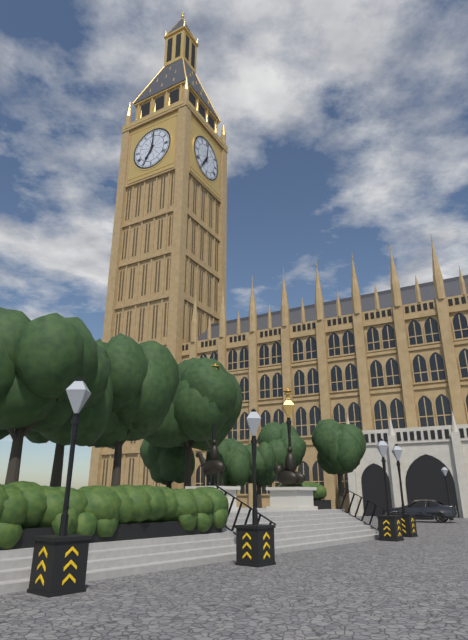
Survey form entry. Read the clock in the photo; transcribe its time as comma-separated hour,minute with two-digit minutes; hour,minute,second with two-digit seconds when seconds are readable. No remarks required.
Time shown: 7,01
